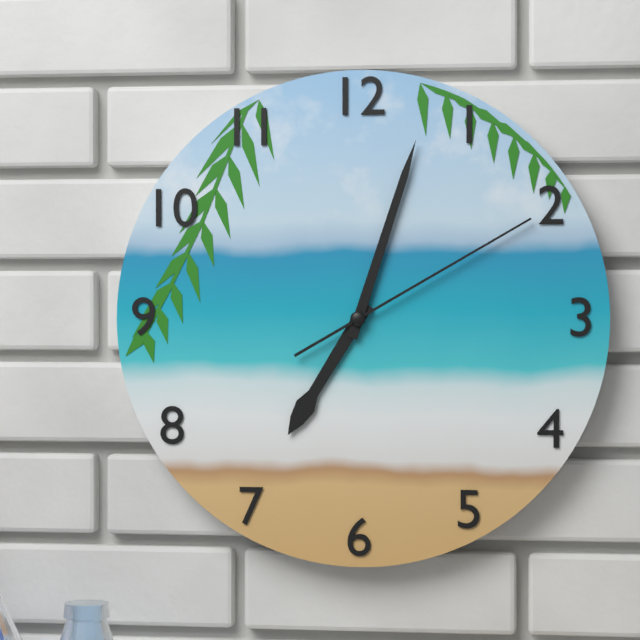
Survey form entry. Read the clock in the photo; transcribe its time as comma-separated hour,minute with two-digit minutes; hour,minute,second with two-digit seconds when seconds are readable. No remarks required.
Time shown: 7,03,10
